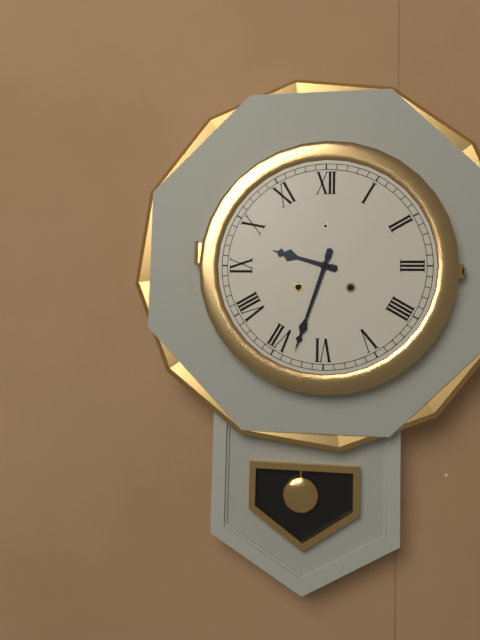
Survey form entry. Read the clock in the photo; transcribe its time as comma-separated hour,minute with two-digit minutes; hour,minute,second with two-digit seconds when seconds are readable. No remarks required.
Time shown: 9,33
